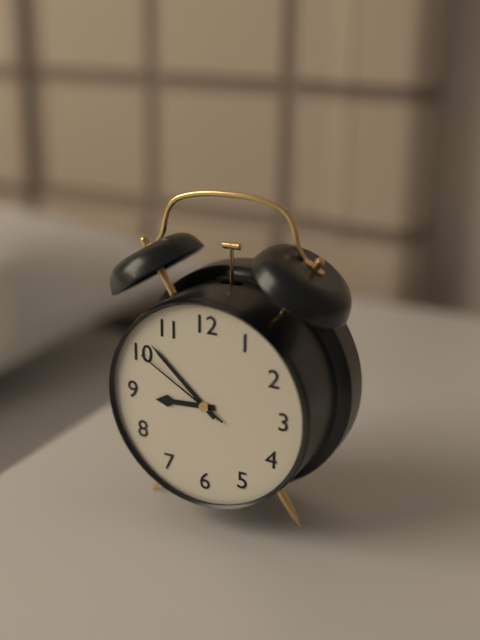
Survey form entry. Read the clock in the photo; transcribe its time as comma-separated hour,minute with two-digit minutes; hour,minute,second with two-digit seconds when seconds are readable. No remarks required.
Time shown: 8,52,50
